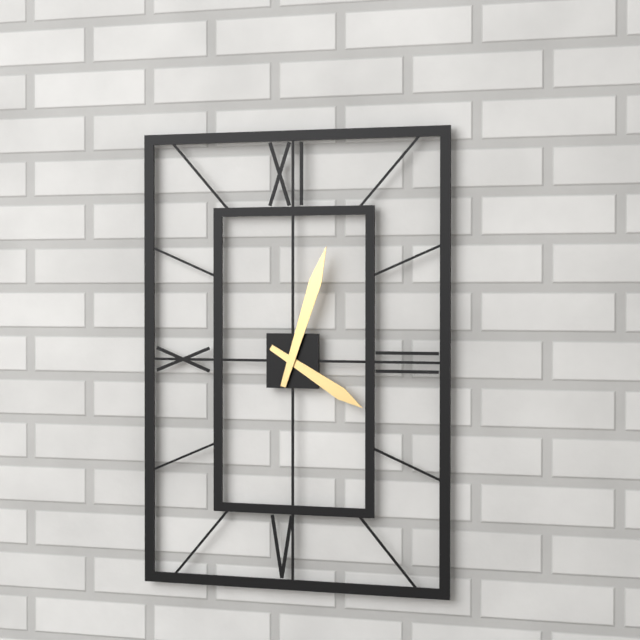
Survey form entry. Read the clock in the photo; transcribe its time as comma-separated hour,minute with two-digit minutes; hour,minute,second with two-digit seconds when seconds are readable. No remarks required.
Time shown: 4,03
